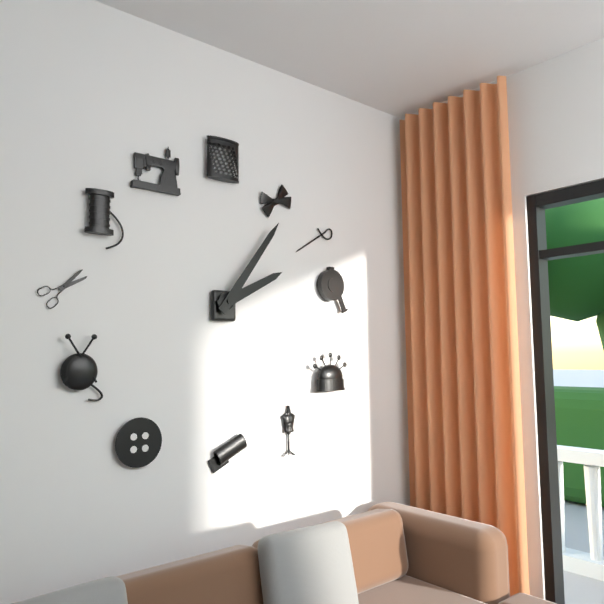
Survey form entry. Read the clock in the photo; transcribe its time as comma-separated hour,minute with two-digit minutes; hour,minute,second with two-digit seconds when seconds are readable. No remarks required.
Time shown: 2,06
